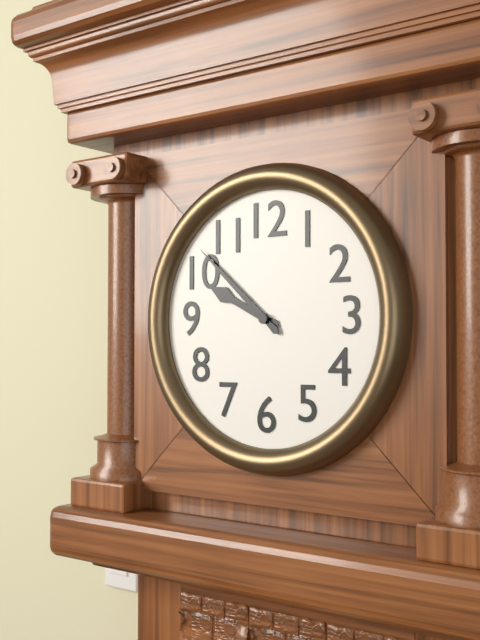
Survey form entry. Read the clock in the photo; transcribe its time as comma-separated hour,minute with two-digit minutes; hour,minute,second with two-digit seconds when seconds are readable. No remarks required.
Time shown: 9,52
